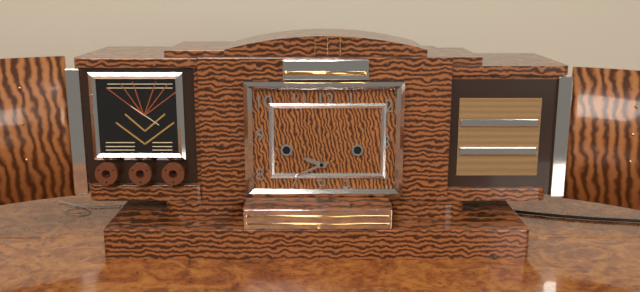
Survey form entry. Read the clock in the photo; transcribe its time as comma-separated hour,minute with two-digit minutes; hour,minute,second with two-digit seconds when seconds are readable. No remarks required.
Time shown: 9,41
